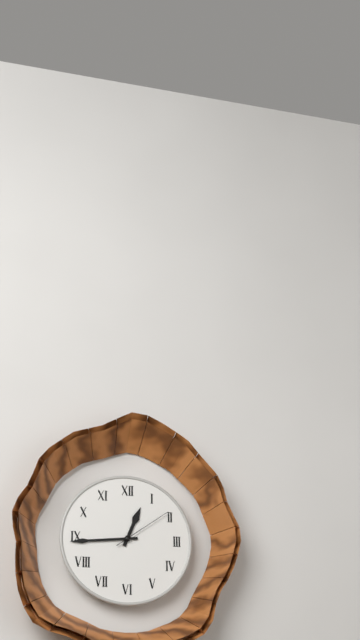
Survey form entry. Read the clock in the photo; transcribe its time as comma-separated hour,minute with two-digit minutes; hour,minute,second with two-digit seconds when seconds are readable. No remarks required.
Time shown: 12,44,09
